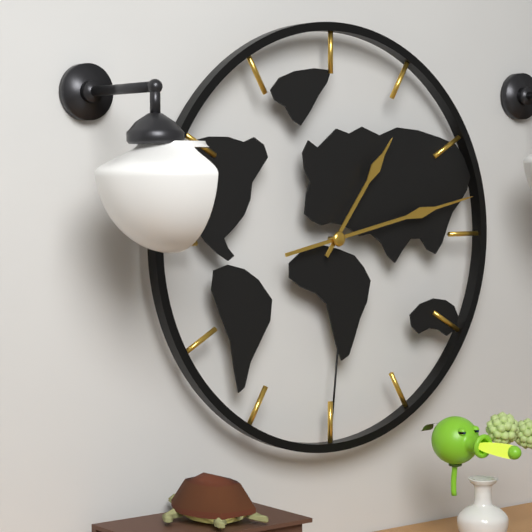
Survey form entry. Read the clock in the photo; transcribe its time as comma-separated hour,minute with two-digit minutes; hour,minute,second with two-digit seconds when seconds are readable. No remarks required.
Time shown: 1,13
